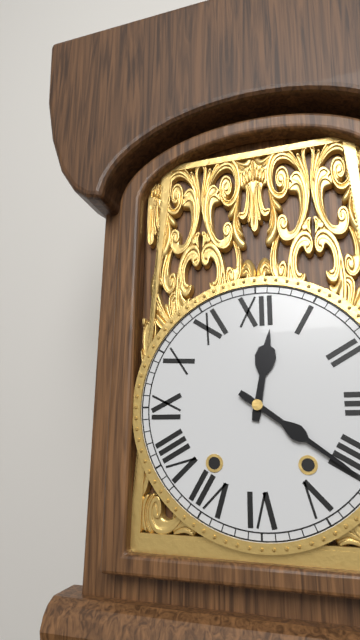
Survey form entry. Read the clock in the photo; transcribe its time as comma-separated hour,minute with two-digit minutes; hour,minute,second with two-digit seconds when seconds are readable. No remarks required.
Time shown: 12,21
